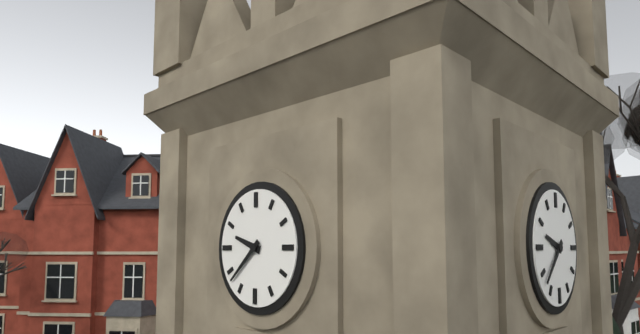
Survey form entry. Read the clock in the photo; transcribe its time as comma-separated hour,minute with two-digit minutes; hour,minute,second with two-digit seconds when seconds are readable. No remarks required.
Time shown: 9,38
